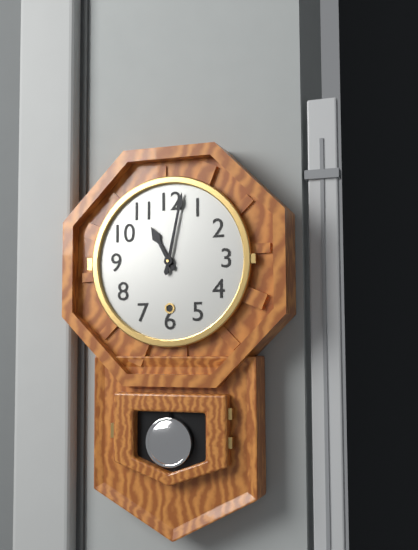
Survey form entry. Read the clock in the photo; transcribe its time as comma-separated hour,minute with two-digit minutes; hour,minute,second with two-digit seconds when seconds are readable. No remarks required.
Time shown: 11,02
